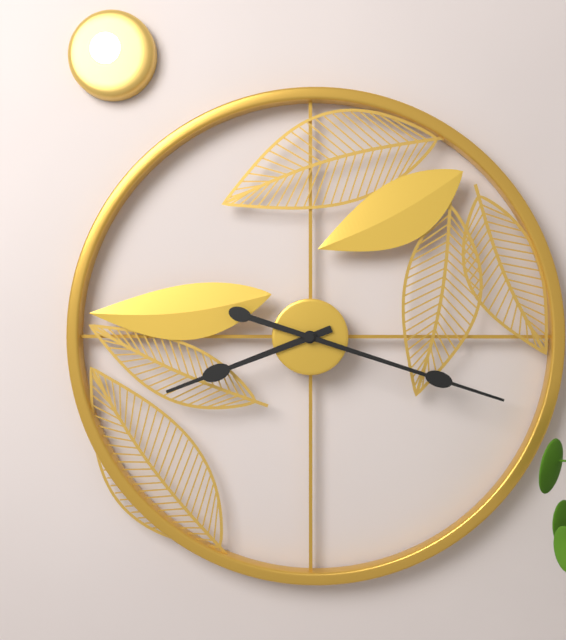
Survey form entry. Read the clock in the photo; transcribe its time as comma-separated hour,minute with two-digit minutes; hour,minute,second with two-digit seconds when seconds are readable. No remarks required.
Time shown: 8,18
